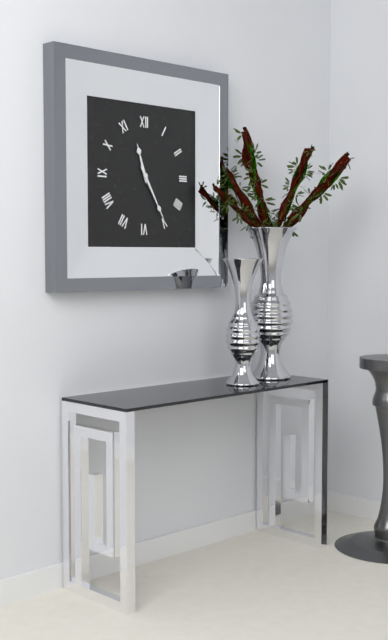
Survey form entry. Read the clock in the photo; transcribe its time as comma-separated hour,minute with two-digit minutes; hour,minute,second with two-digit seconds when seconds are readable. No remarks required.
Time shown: 11,25
